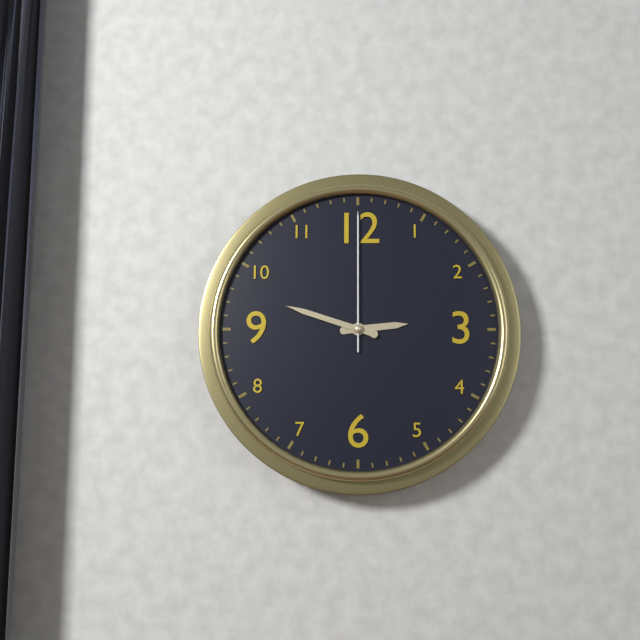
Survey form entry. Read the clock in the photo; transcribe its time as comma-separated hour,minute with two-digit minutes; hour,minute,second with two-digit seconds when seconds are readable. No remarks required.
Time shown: 2,48,00
